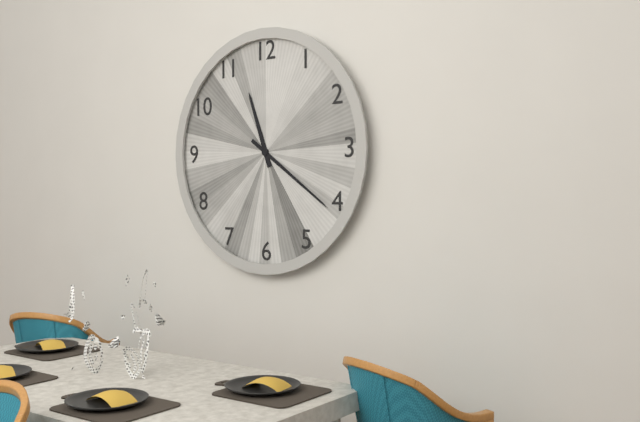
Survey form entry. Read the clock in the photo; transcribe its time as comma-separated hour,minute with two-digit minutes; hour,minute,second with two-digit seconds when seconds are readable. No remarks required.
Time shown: 11,21
